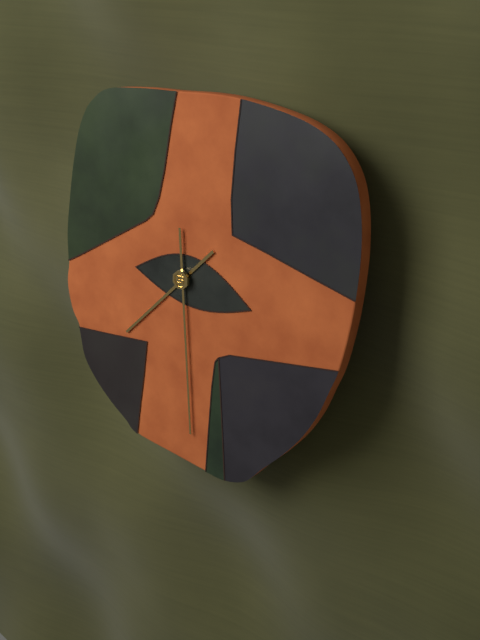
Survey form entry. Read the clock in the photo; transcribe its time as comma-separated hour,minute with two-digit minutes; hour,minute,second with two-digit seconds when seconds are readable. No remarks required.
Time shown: 7,29
